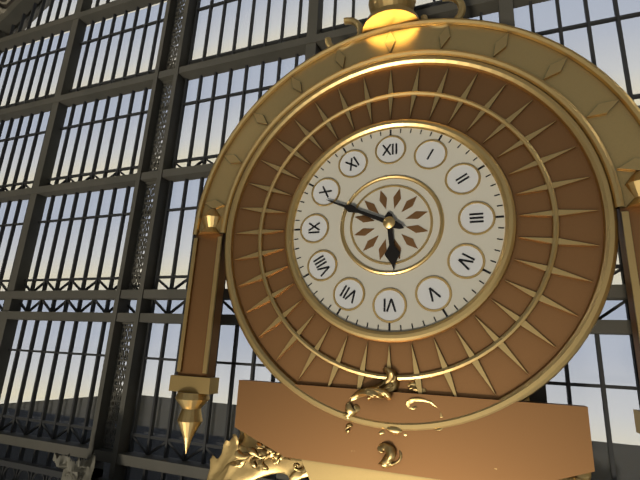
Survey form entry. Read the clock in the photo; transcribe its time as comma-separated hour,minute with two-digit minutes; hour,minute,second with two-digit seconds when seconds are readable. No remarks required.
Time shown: 5,49
